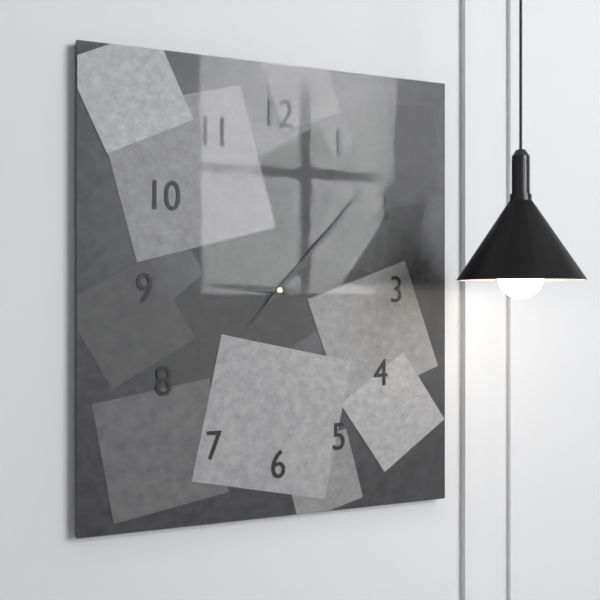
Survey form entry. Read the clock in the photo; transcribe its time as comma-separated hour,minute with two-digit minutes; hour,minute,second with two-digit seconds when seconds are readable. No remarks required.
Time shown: 9,07,07
